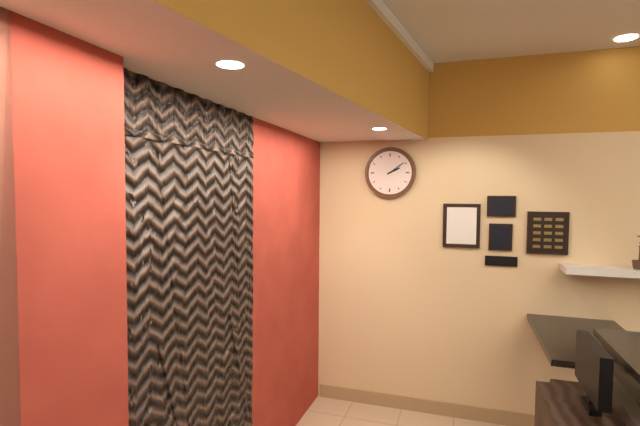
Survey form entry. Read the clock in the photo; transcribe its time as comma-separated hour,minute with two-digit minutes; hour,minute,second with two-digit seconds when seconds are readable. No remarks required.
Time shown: 2,09
